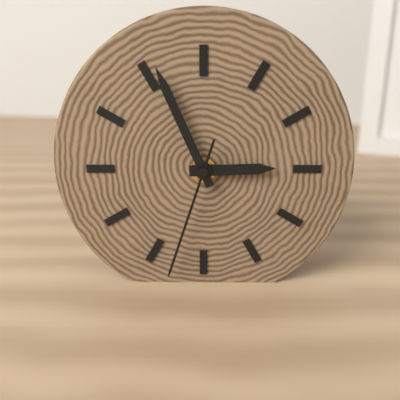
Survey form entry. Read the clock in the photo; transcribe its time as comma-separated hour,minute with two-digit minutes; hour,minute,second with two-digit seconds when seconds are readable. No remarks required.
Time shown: 2,56,33
